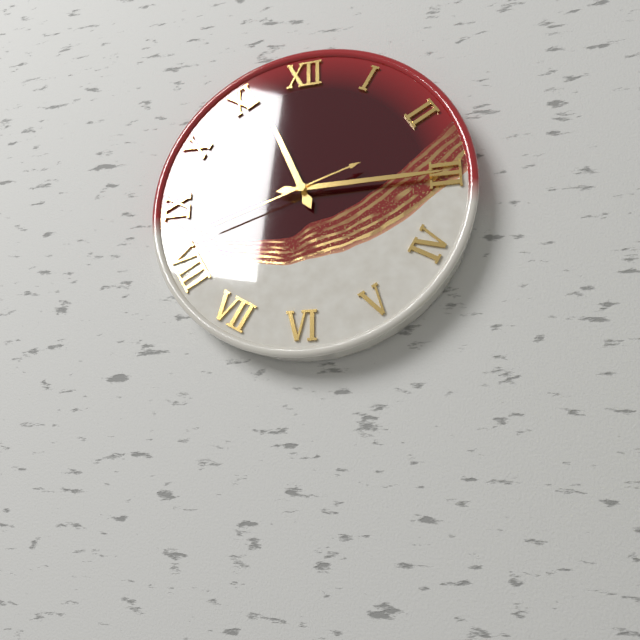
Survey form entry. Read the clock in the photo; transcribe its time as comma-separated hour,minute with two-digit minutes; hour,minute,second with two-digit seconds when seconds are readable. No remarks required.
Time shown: 11,15,42
